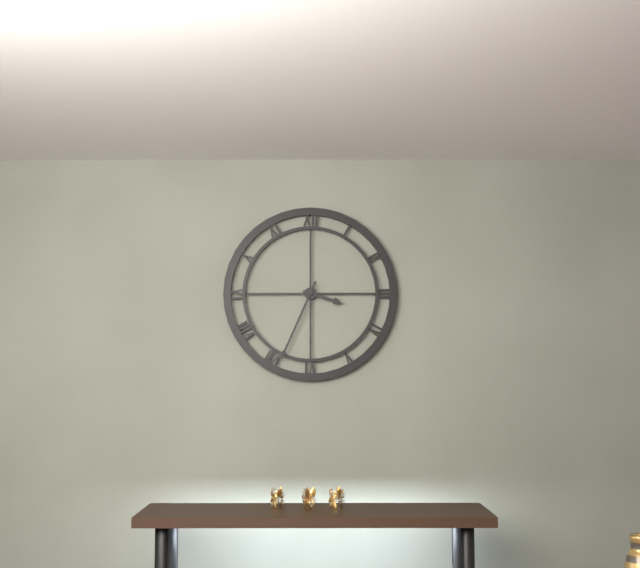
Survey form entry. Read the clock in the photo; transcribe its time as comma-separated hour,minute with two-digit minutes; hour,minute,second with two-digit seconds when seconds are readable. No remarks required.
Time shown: 3,34
